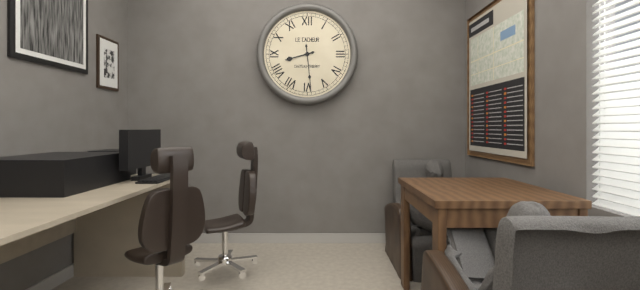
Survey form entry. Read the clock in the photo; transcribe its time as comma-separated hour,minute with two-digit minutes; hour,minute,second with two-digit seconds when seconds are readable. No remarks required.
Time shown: 8,29
